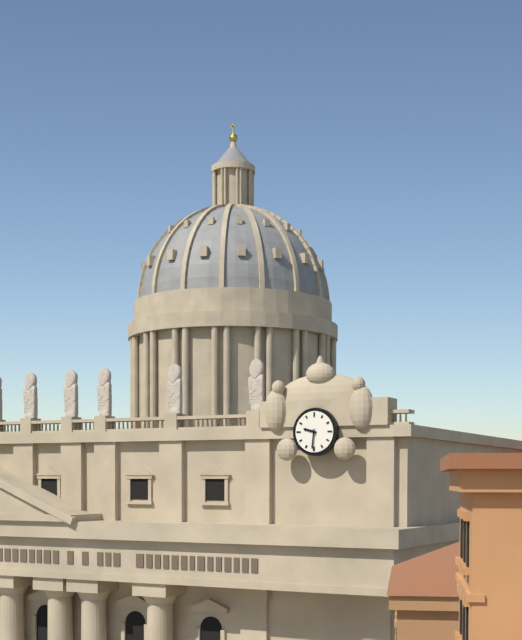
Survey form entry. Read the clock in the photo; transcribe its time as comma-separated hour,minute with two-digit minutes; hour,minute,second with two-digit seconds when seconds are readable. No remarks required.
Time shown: 9,31
